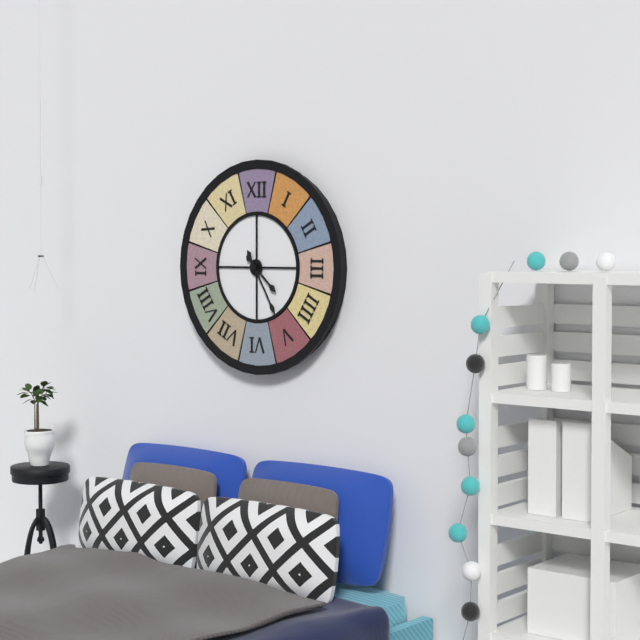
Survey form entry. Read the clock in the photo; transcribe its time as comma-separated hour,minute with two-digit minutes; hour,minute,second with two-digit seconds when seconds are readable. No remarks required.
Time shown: 4,25
